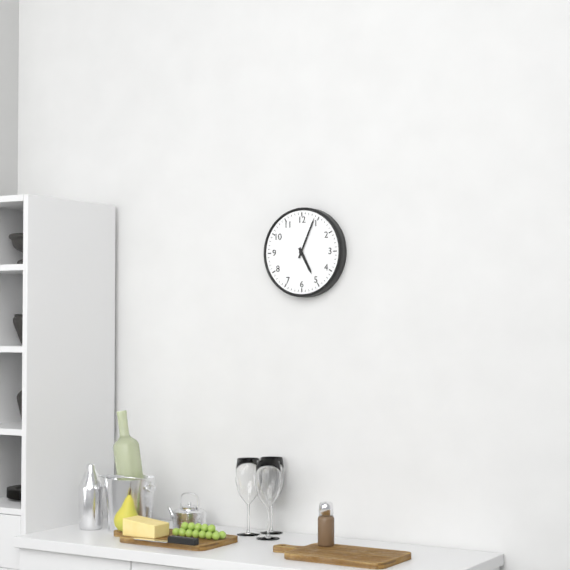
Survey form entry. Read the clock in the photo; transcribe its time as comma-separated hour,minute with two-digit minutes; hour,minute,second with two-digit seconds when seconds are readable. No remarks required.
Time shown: 5,04
